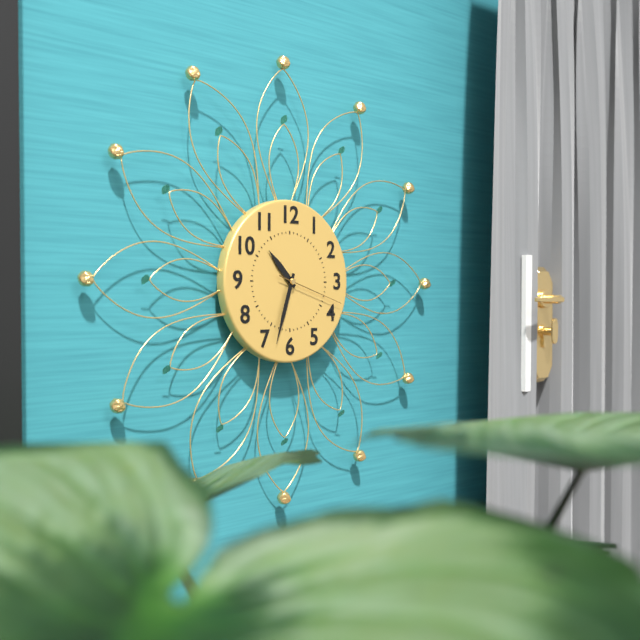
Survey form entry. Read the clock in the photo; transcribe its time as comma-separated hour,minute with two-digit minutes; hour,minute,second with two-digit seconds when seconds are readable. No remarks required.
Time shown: 10,33,18
